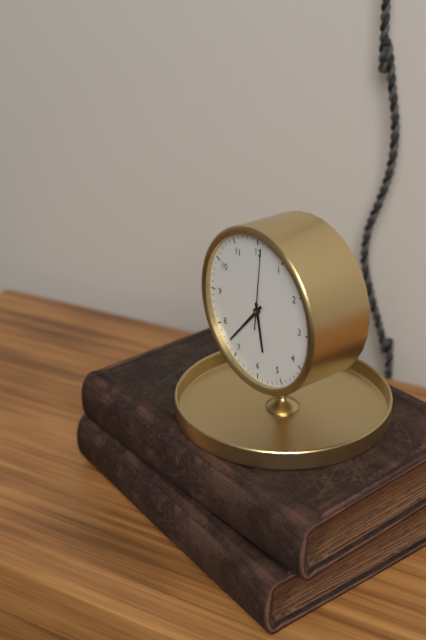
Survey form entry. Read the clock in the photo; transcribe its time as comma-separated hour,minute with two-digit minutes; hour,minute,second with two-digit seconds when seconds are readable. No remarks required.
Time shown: 5,37,01
